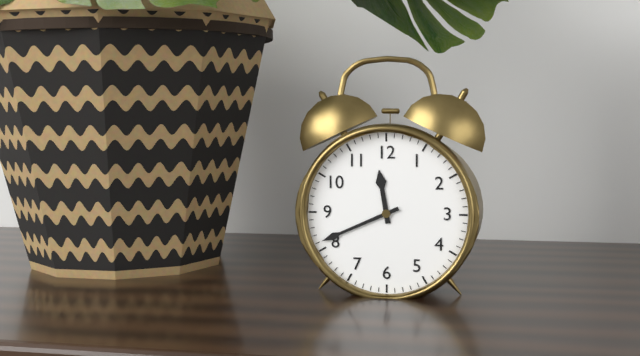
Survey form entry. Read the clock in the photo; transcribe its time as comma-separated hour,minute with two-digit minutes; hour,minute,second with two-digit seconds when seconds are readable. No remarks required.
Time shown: 11,41
